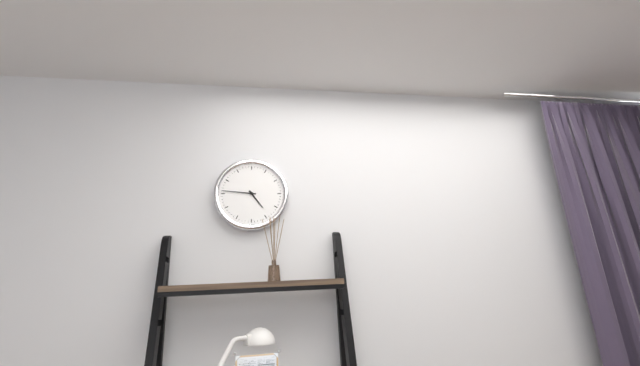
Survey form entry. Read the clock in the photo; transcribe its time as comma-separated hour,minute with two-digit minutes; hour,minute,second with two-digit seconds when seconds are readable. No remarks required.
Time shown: 4,46
